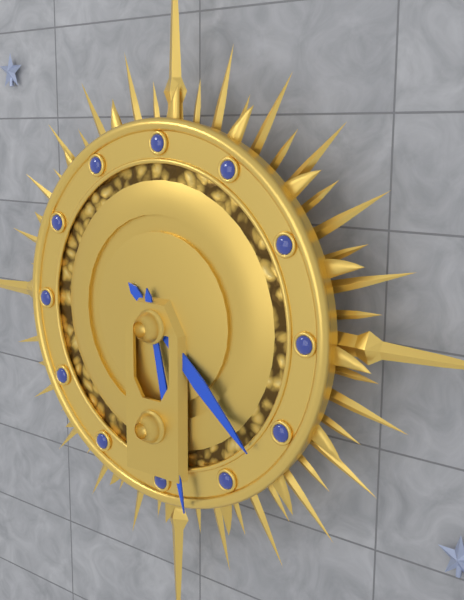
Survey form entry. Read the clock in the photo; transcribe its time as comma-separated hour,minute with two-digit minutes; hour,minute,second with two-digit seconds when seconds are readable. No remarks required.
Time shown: 4,28
